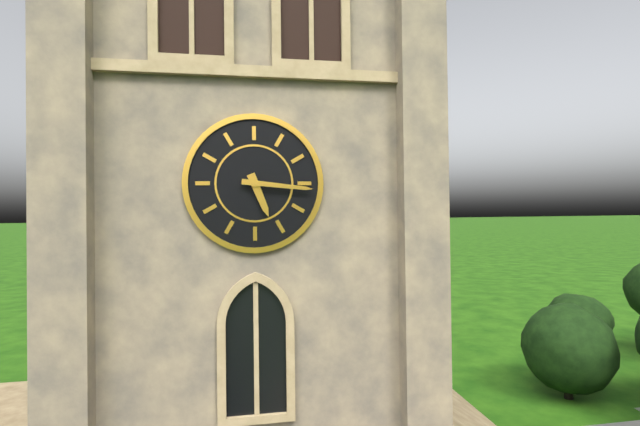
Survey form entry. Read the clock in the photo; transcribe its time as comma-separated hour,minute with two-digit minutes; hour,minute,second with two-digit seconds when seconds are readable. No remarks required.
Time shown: 5,16
